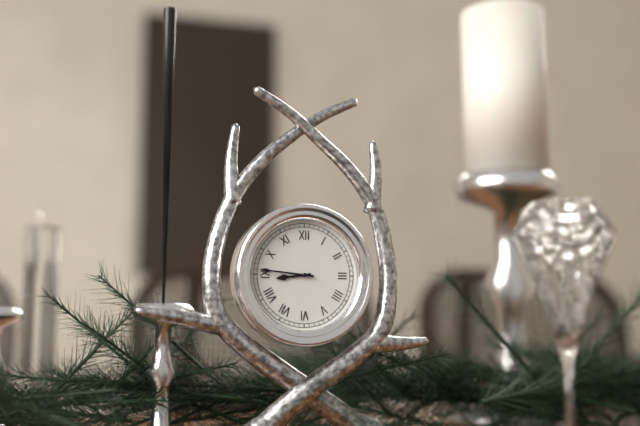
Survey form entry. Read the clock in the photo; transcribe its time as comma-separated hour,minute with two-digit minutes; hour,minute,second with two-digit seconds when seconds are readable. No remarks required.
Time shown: 8,46
